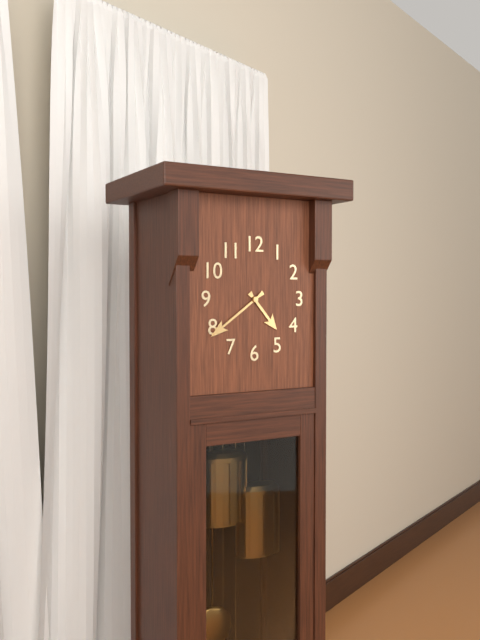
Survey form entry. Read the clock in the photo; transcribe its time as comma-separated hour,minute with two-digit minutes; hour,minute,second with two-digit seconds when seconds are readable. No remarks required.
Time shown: 4,39
